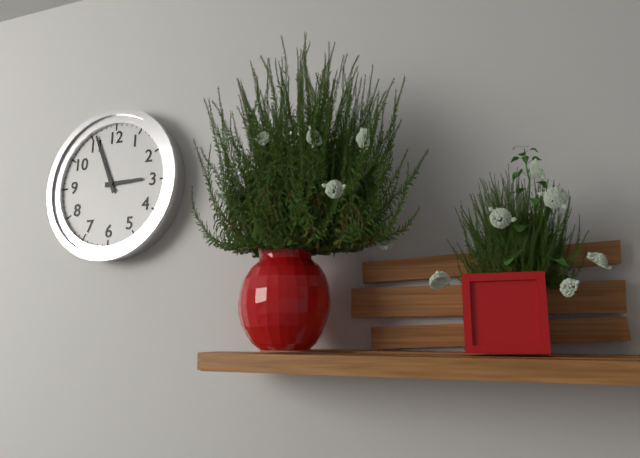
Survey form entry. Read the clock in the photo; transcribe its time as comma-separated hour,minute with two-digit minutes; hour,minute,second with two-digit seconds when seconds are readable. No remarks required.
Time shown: 2,56
